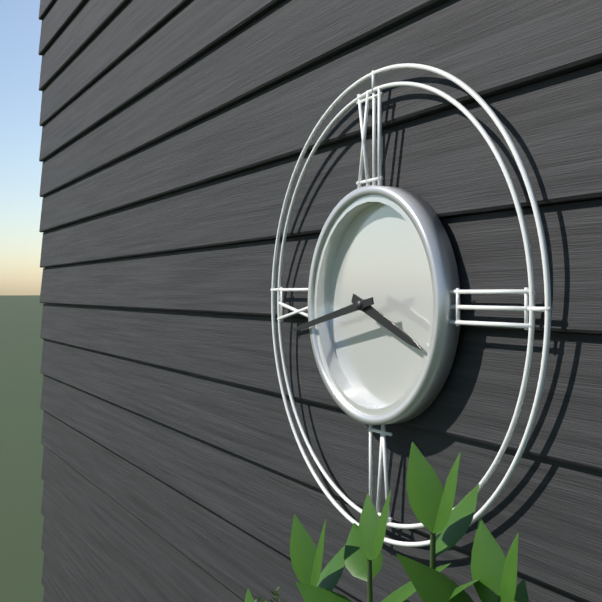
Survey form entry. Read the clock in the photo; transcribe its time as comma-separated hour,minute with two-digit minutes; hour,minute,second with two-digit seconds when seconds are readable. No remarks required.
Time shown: 3,43
